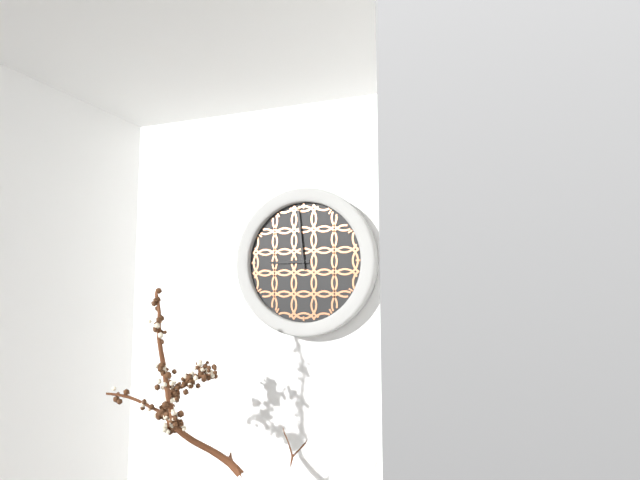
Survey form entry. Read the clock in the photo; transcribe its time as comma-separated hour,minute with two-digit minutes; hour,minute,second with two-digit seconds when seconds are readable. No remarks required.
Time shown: 8,59
